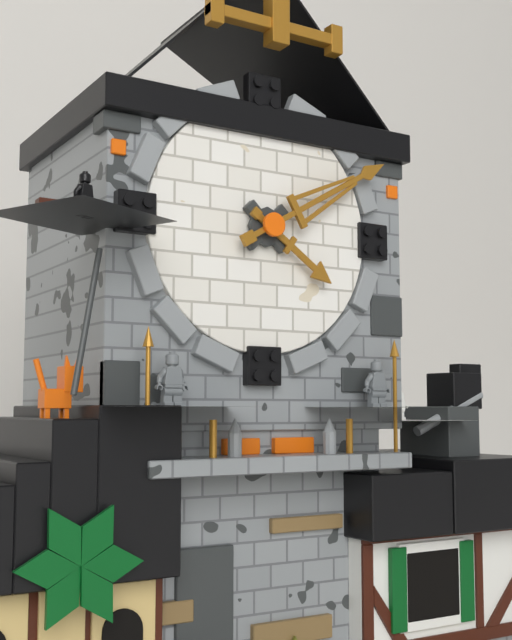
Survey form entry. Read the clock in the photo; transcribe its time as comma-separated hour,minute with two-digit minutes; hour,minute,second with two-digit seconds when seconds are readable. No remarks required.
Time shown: 4,10
